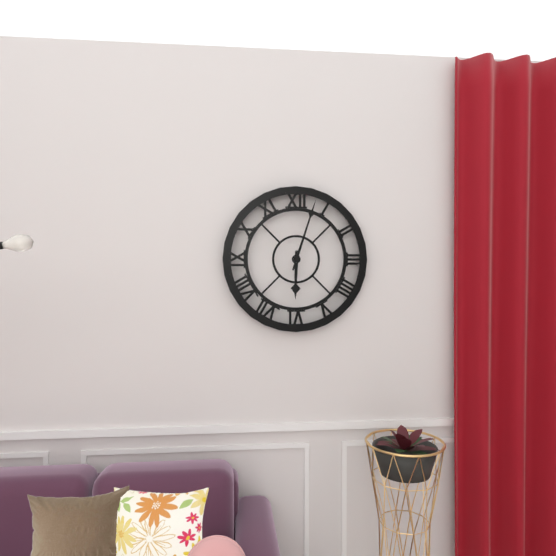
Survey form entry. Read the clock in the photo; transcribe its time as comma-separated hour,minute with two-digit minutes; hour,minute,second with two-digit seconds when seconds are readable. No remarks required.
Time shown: 6,03
